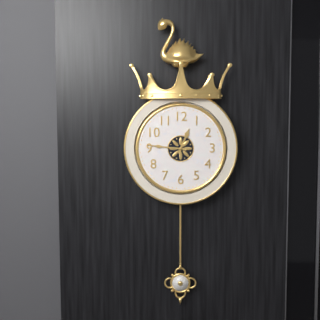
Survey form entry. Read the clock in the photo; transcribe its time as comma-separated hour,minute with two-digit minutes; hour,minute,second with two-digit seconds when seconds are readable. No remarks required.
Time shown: 12,46
